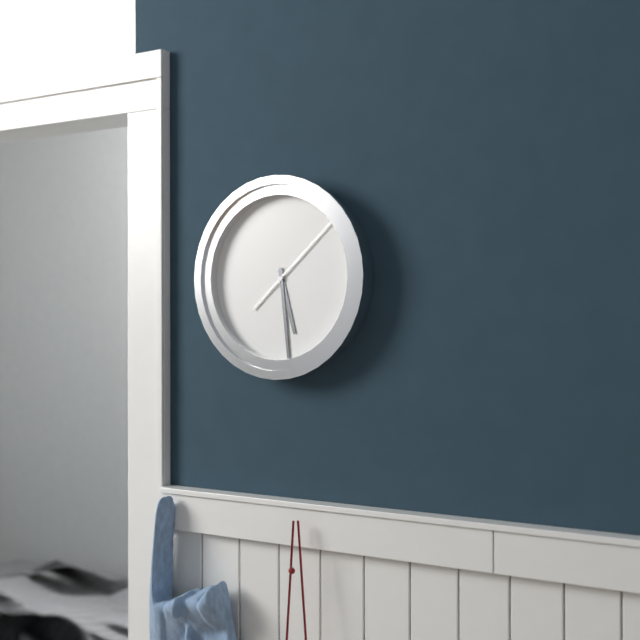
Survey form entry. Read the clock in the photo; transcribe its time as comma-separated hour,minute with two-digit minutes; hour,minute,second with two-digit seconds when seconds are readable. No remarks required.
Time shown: 5,29,08
